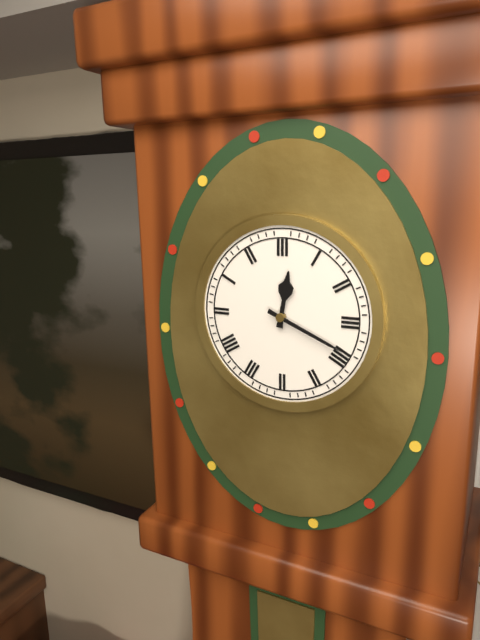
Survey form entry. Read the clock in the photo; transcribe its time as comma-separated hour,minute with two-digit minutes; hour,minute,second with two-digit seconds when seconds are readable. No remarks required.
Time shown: 12,19
